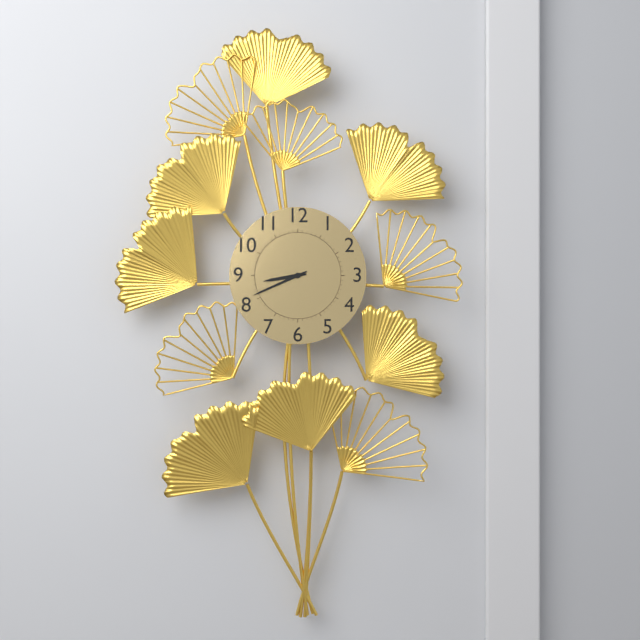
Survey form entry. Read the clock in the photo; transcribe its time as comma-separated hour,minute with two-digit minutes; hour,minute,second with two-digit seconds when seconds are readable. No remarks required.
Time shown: 8,41
